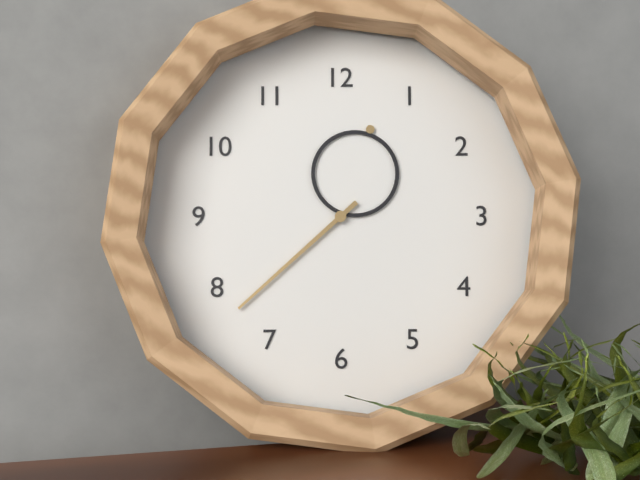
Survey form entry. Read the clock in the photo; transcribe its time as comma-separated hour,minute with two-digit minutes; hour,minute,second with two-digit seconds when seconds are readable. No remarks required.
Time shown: 12,38
